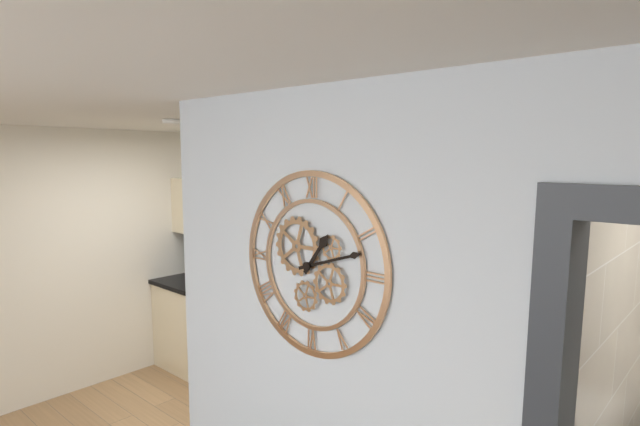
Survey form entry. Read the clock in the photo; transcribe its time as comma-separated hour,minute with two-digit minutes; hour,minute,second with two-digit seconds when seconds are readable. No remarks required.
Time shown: 1,12
